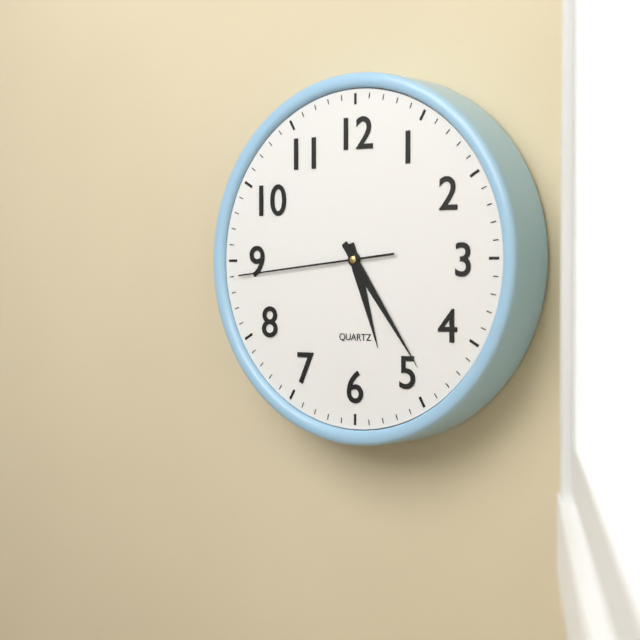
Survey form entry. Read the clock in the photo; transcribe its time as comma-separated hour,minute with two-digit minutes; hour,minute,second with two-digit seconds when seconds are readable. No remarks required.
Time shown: 5,24,44
